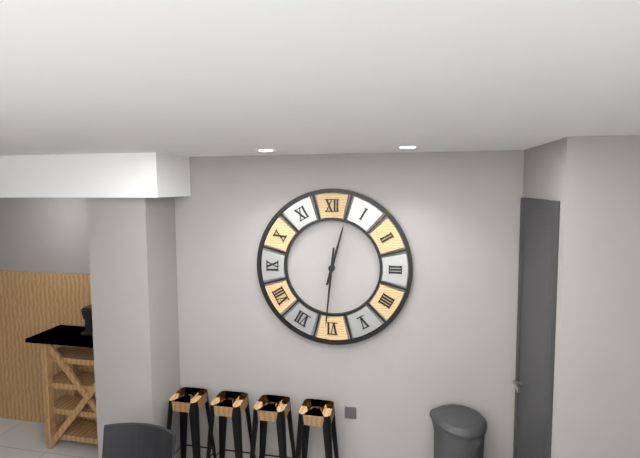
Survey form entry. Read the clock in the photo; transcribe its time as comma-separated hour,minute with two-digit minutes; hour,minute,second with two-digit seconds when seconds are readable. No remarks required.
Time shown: 12,31
